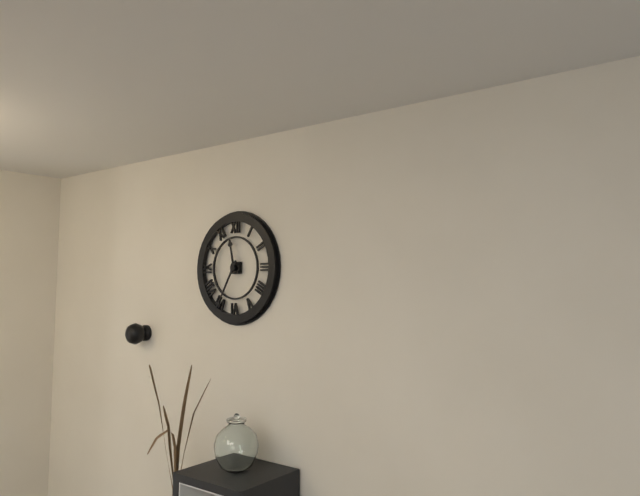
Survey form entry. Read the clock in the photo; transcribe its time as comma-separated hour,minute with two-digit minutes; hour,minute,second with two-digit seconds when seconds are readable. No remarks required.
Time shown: 11,35
